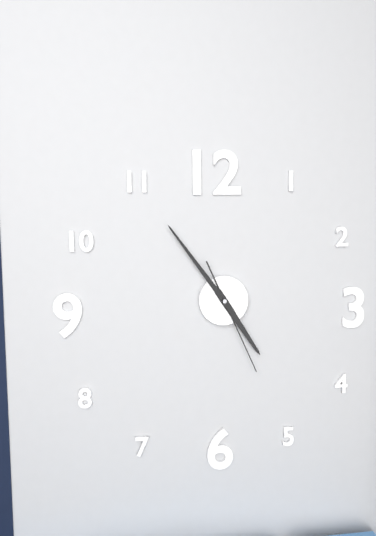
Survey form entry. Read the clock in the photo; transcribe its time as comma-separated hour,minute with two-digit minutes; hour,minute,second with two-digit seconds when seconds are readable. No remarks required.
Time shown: 4,54,26
